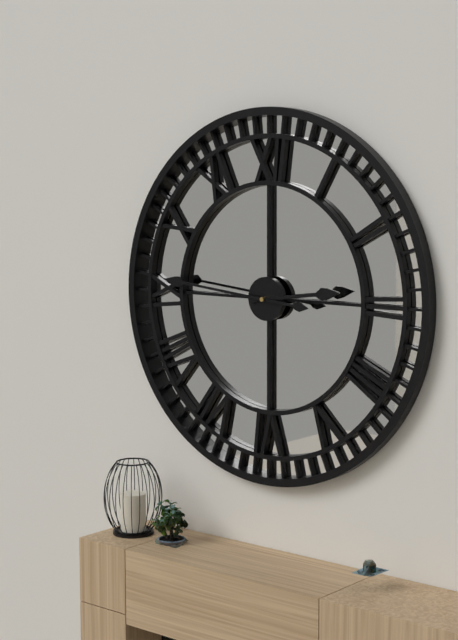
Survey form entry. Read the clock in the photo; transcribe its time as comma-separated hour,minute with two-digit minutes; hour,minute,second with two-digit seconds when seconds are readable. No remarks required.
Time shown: 2,46
